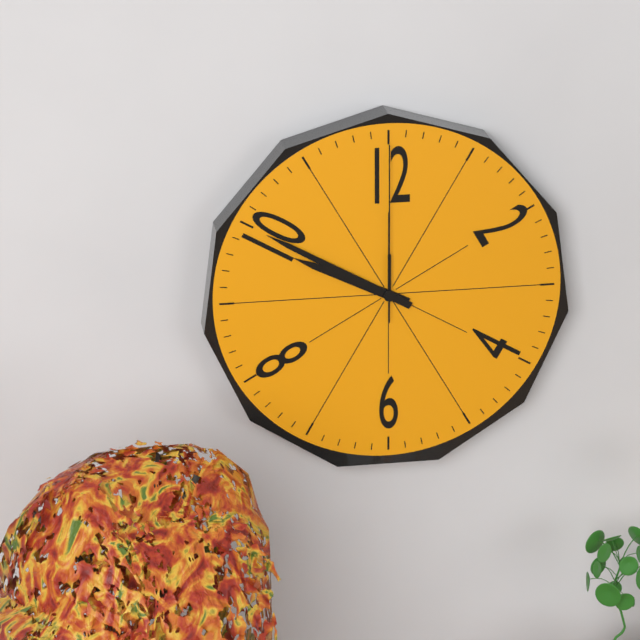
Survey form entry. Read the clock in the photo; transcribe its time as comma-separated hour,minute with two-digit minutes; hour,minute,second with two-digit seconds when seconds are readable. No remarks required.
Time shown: 9,50,00
